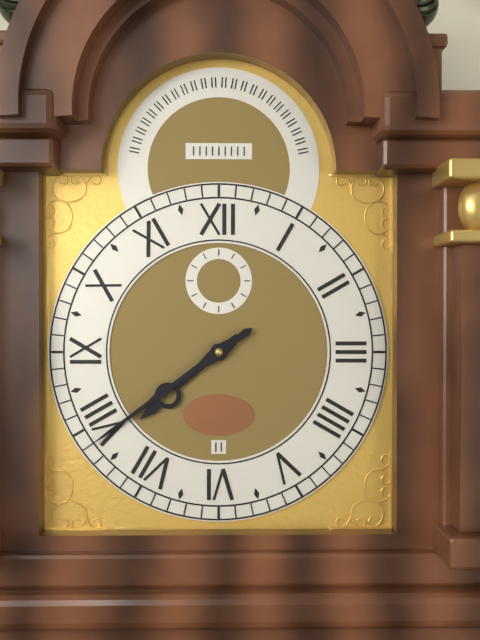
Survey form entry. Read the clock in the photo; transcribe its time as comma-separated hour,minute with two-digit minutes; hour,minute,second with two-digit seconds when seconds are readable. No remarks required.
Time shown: 7,39
